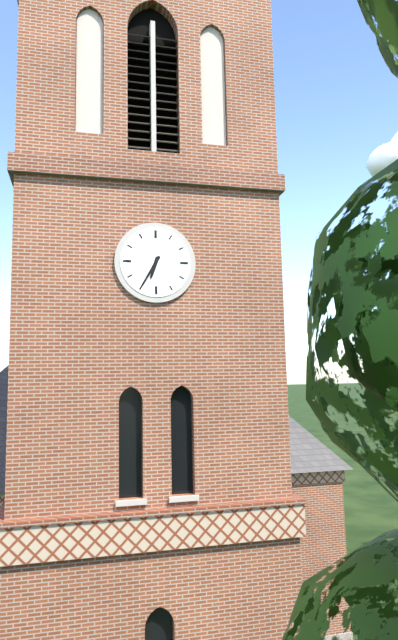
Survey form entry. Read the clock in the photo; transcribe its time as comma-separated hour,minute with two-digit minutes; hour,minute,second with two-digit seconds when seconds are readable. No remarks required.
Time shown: 6,35
